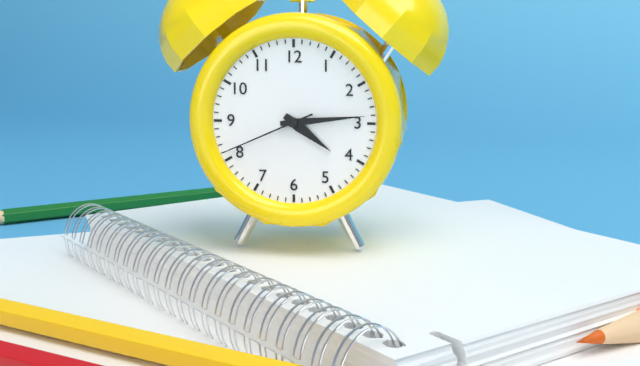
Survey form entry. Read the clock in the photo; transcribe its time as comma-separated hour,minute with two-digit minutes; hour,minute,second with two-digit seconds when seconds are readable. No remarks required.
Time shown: 4,14,41
